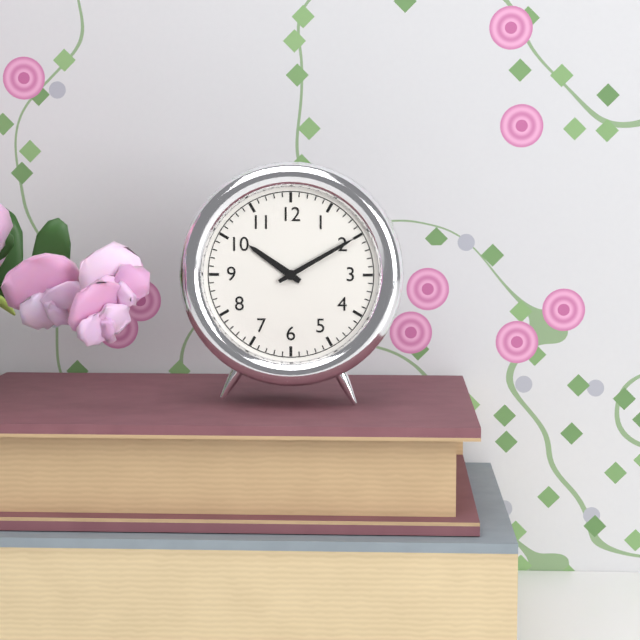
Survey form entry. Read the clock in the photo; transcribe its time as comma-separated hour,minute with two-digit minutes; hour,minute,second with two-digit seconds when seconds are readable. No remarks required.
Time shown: 10,10
